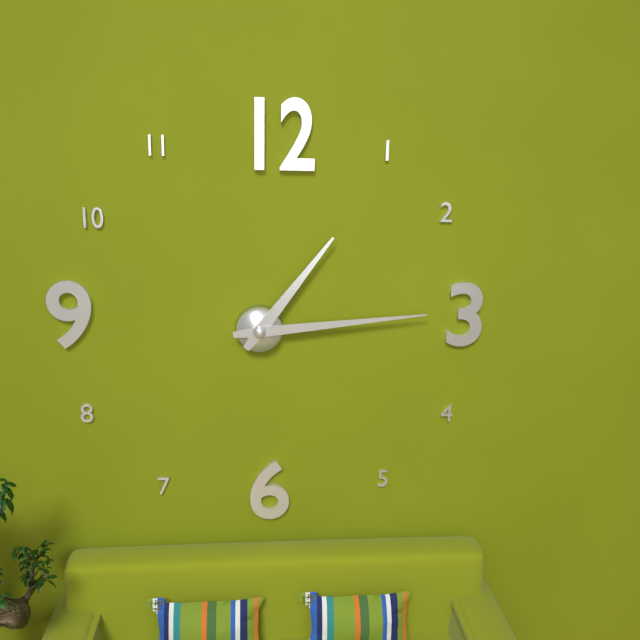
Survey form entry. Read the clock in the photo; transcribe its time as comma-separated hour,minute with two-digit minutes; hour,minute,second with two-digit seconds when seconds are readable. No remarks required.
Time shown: 1,14
